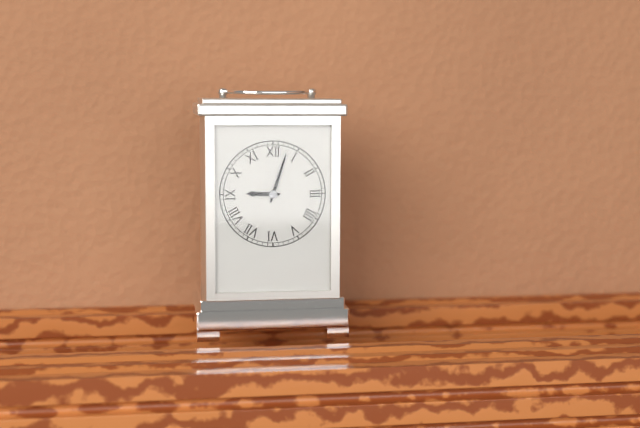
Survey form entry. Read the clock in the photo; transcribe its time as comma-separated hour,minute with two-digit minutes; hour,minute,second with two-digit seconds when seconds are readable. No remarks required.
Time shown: 9,03
